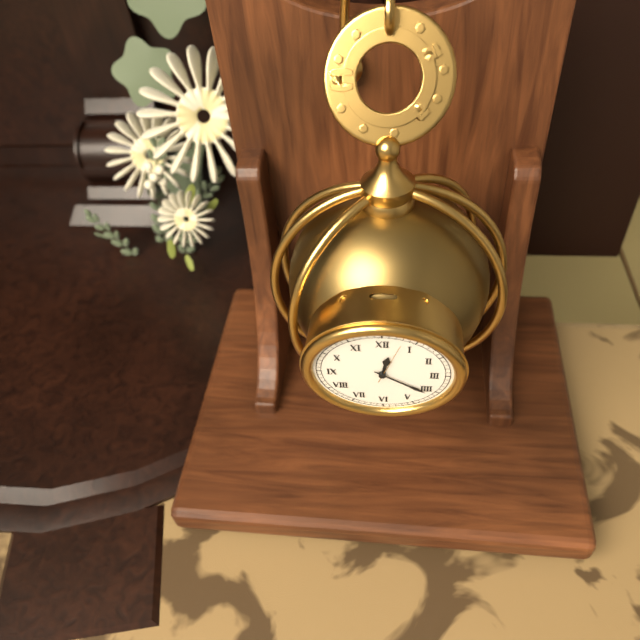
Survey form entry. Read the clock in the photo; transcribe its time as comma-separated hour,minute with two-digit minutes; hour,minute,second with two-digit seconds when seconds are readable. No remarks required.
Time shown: 12,21
